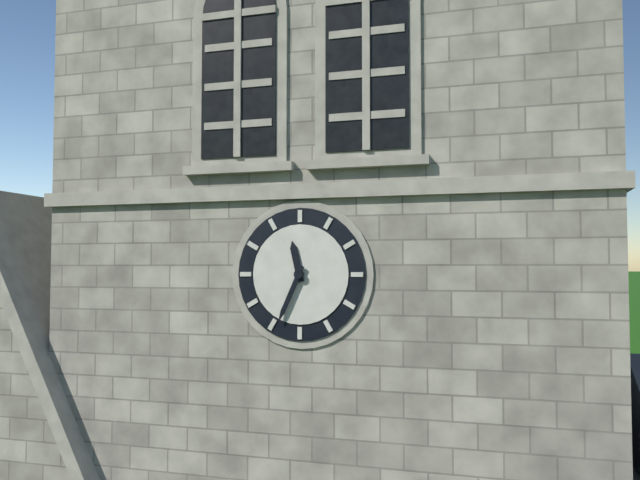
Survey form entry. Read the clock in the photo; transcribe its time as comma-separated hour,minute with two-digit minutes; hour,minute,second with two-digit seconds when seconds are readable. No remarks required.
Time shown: 11,34
